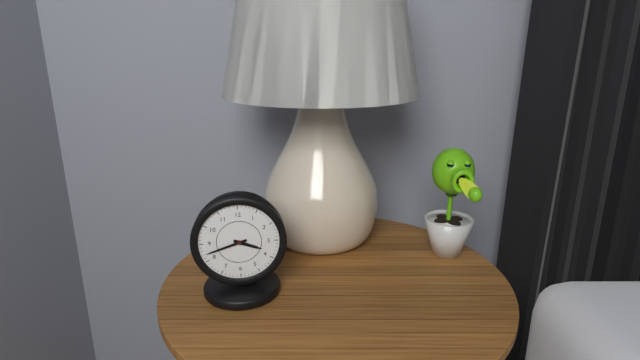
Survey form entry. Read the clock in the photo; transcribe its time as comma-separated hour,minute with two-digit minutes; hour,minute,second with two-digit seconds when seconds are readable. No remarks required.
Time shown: 3,42
